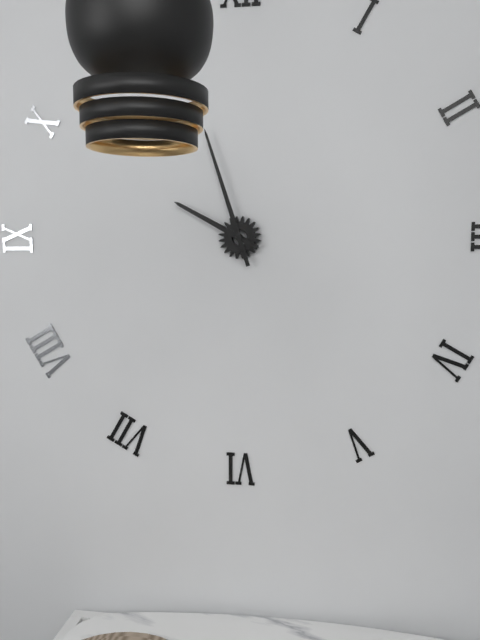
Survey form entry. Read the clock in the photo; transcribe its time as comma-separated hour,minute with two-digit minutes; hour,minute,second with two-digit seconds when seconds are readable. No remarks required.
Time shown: 9,57
